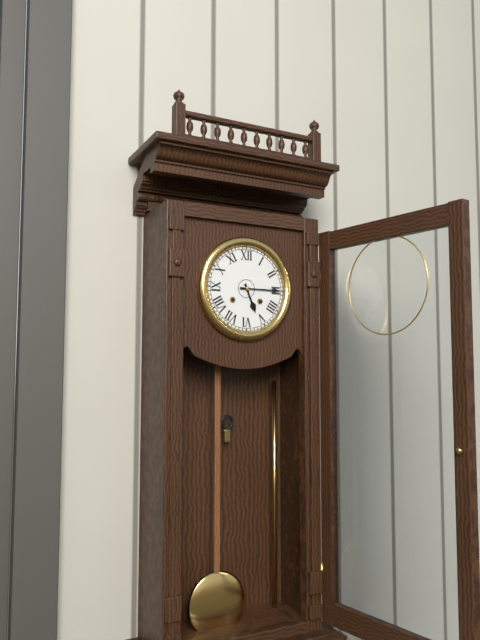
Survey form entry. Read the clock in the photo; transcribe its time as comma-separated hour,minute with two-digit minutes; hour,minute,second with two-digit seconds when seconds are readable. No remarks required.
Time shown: 5,15
